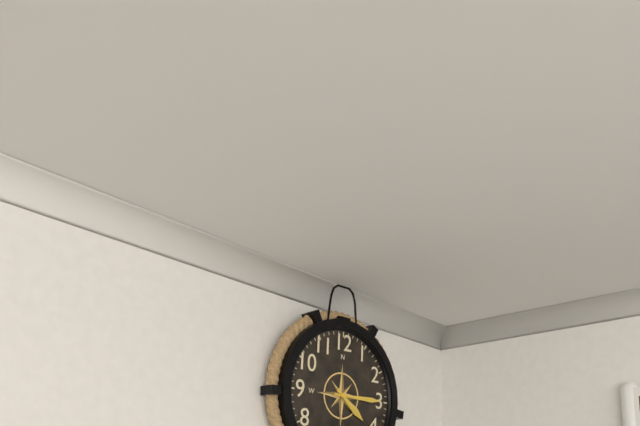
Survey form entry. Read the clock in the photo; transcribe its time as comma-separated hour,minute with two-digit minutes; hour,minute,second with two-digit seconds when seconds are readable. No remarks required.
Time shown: 4,15
